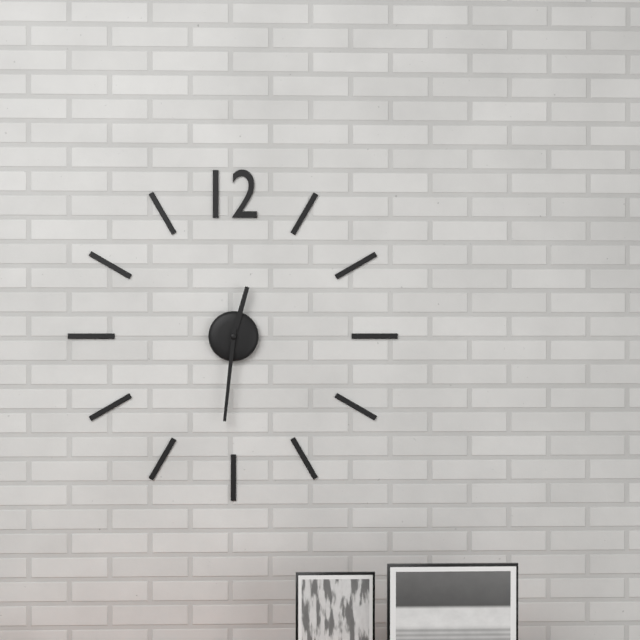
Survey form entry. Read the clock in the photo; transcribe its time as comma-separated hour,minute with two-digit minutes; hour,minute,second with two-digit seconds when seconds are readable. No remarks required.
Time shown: 12,31
